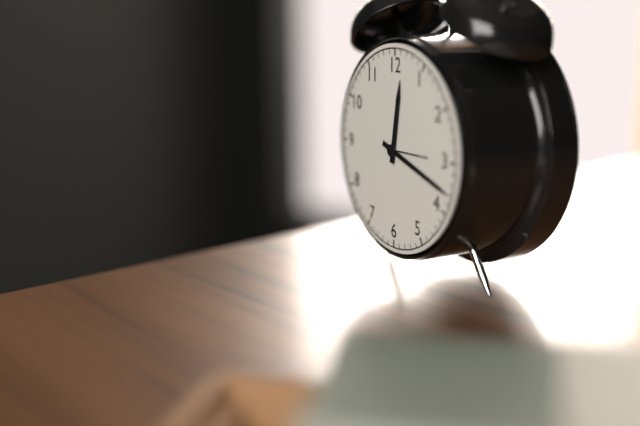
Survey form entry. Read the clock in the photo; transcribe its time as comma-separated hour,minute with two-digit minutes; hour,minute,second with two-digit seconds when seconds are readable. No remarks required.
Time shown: 12,18
